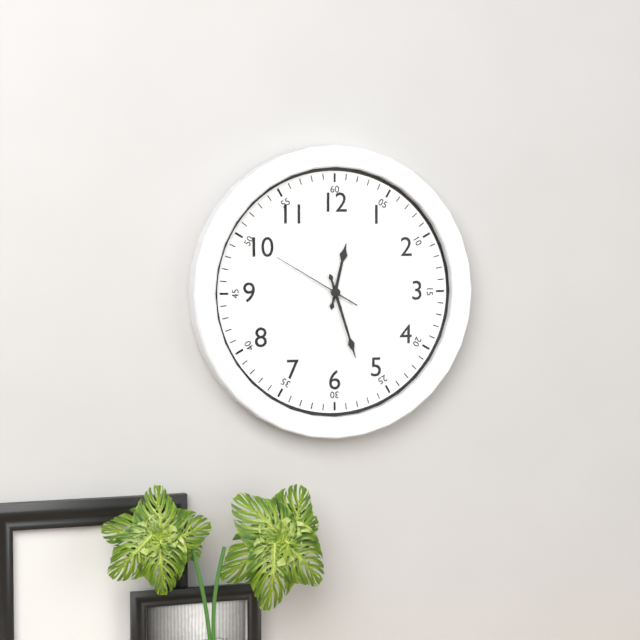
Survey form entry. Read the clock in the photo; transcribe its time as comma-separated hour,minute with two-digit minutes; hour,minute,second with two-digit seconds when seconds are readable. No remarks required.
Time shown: 12,27,50
